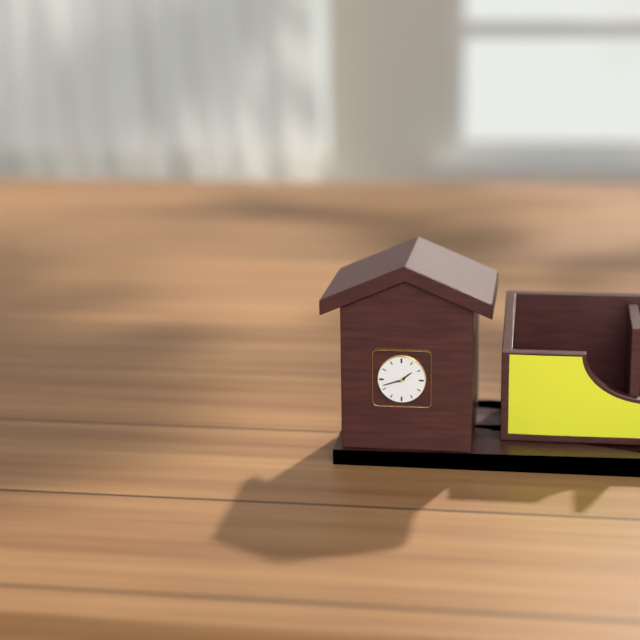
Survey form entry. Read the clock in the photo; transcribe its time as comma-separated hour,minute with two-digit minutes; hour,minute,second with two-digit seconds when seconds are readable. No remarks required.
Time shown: 1,42
